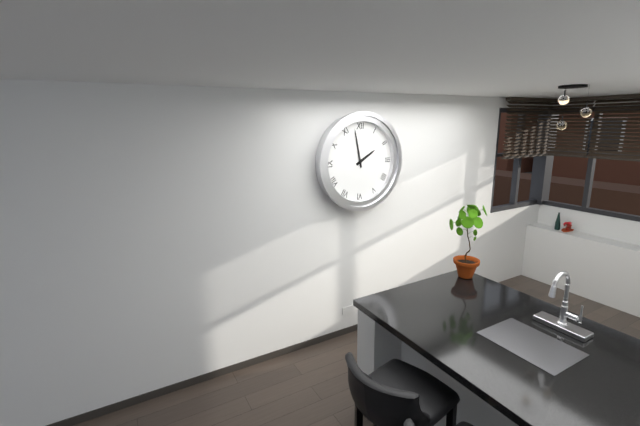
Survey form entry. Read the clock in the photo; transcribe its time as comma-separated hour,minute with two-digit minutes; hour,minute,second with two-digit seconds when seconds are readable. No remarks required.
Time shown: 1,58
